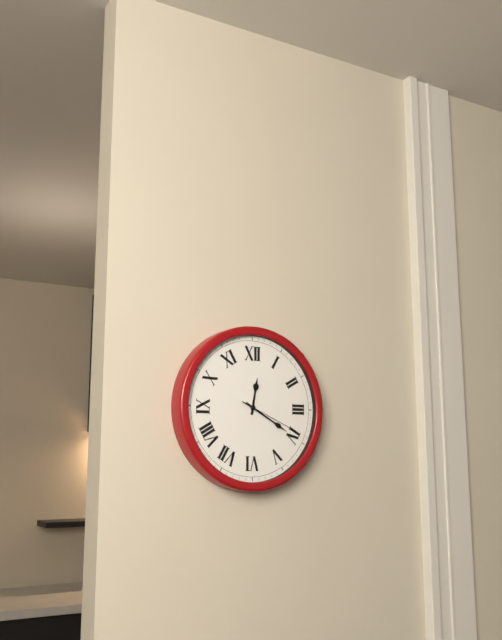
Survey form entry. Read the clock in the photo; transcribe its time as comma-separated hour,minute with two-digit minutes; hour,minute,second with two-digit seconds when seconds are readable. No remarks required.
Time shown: 12,20,19
